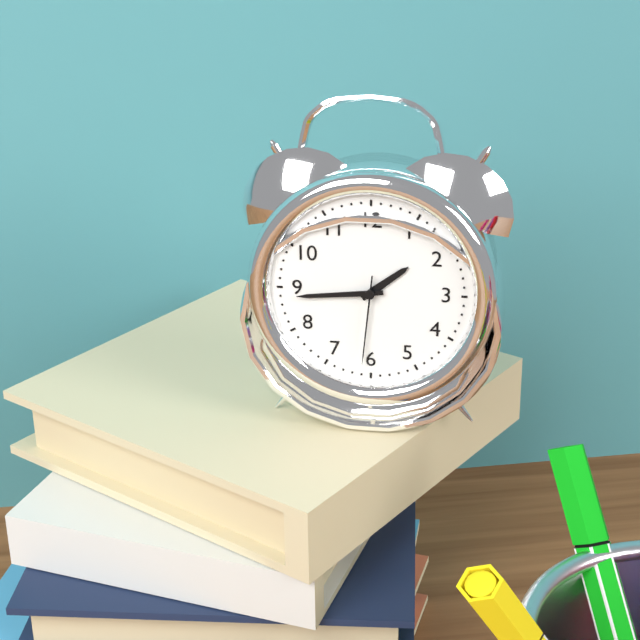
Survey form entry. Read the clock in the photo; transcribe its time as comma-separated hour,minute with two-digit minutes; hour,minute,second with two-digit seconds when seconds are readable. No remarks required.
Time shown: 1,44,31
